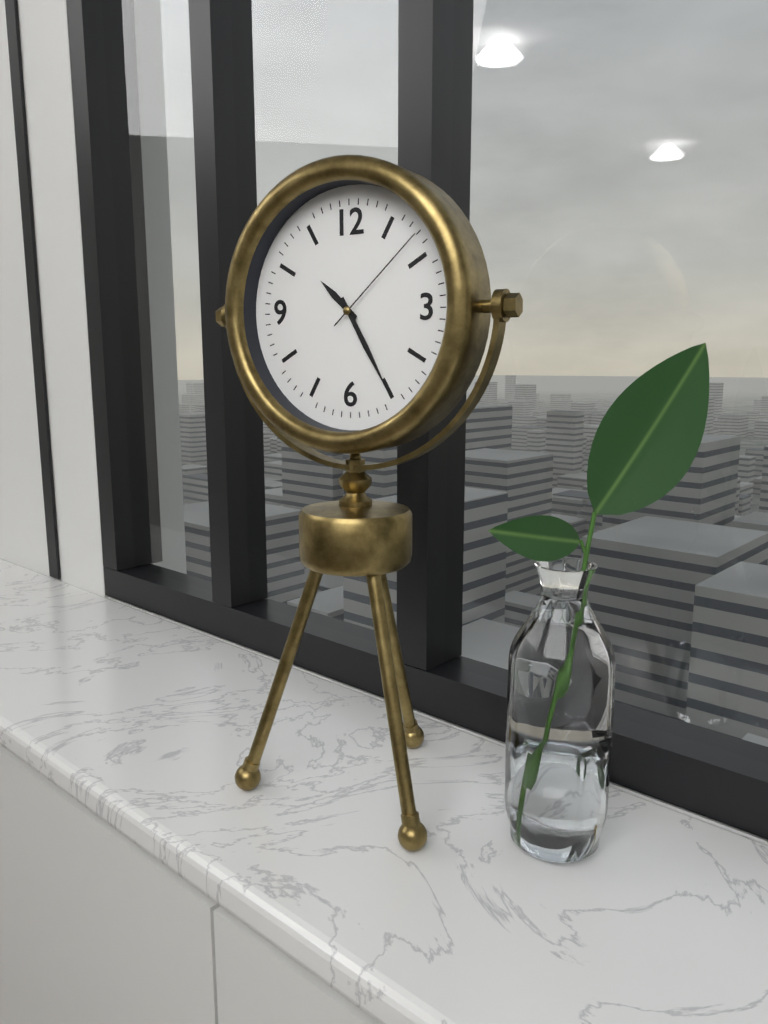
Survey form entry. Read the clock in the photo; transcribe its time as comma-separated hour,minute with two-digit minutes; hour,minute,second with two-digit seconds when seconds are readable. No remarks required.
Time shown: 10,25,08
